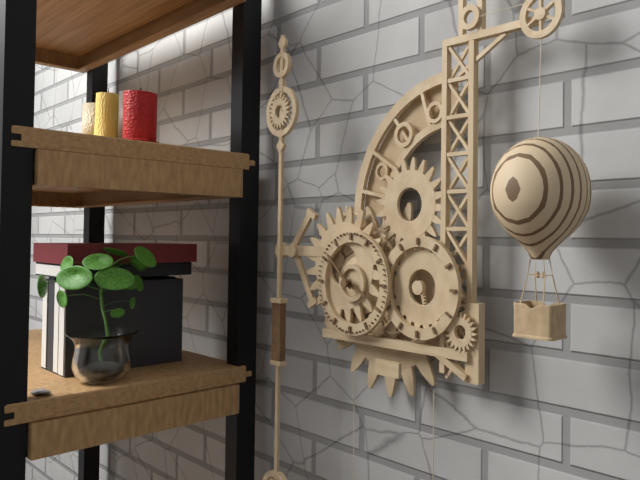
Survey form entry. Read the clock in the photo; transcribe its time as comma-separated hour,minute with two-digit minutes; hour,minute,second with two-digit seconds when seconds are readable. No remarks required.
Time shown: 3,52
